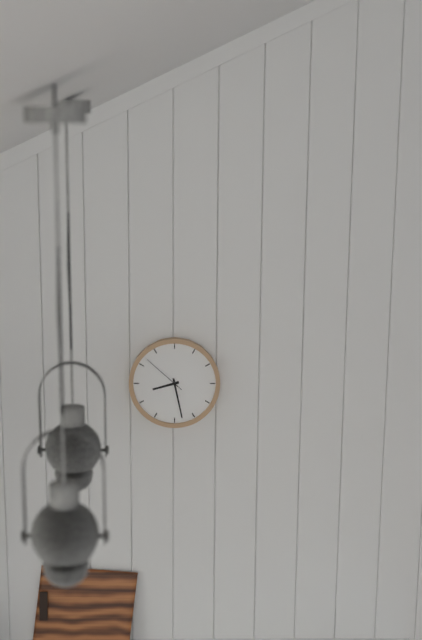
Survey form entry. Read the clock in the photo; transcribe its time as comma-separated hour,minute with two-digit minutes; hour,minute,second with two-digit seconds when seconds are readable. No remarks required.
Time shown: 8,28
